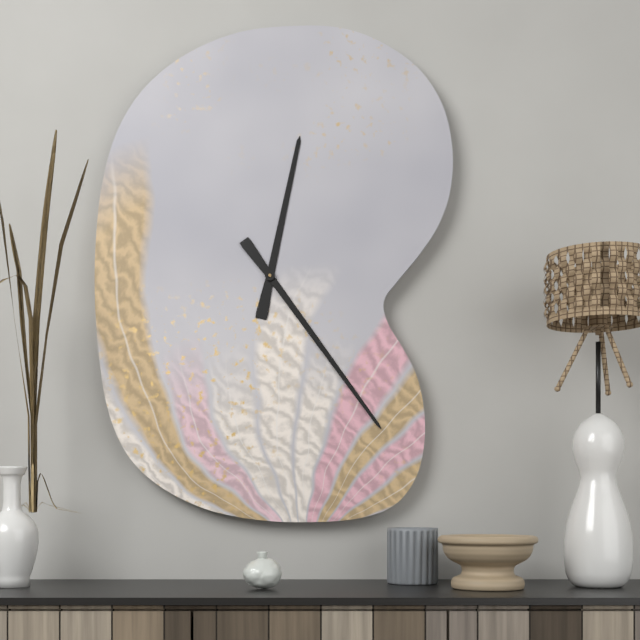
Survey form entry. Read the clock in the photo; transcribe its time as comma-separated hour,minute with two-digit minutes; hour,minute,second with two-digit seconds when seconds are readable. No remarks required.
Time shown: 12,24
